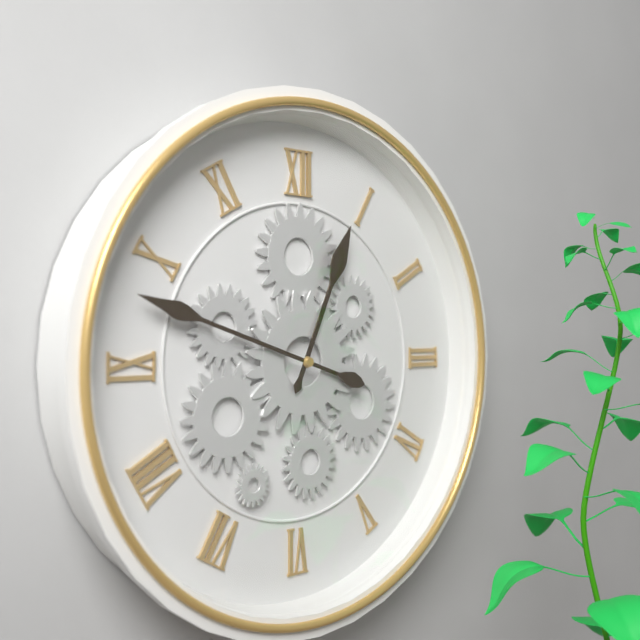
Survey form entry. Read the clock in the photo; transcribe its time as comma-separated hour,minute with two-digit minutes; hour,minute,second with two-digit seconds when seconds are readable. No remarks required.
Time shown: 12,48
